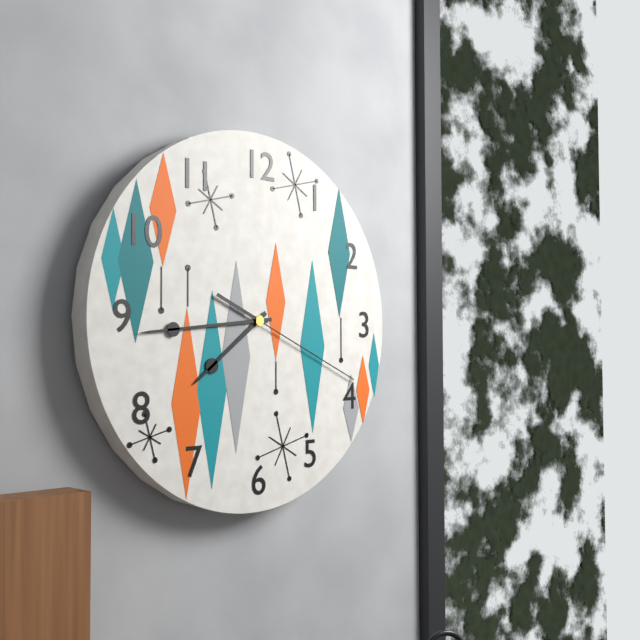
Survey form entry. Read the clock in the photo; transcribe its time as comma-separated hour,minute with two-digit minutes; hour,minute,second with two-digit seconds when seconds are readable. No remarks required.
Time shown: 7,44,19
